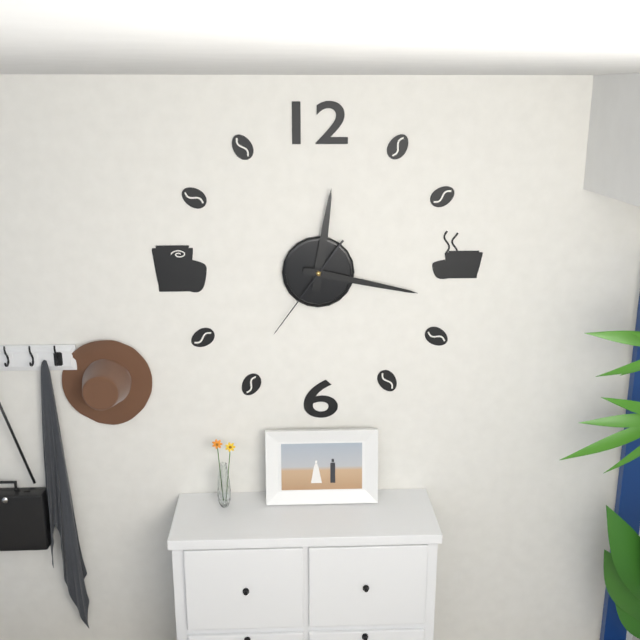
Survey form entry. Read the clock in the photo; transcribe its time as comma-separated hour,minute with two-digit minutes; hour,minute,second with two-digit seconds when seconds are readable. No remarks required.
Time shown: 12,17,36
